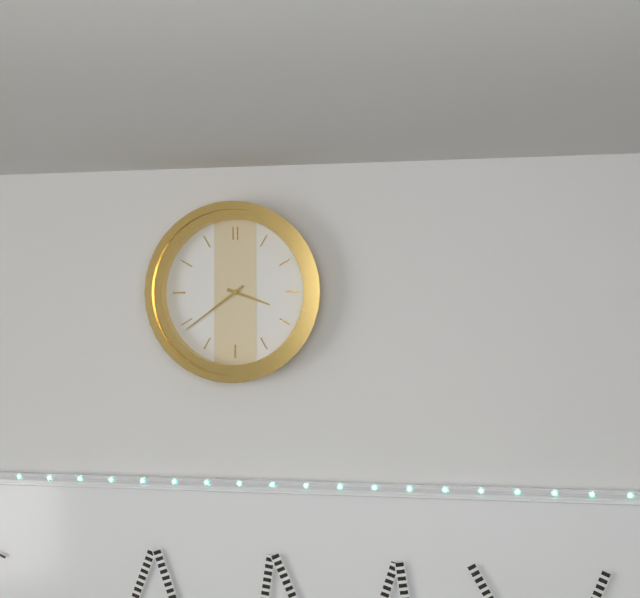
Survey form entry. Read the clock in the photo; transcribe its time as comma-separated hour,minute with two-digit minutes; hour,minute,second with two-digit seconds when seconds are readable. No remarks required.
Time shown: 3,39
